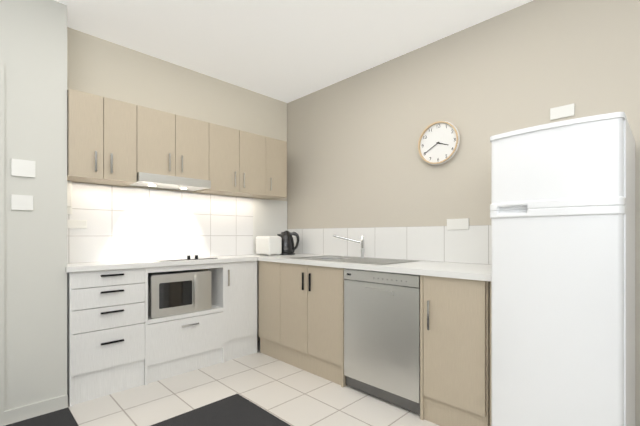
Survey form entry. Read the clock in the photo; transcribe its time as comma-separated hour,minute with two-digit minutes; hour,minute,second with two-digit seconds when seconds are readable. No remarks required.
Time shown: 3,40
